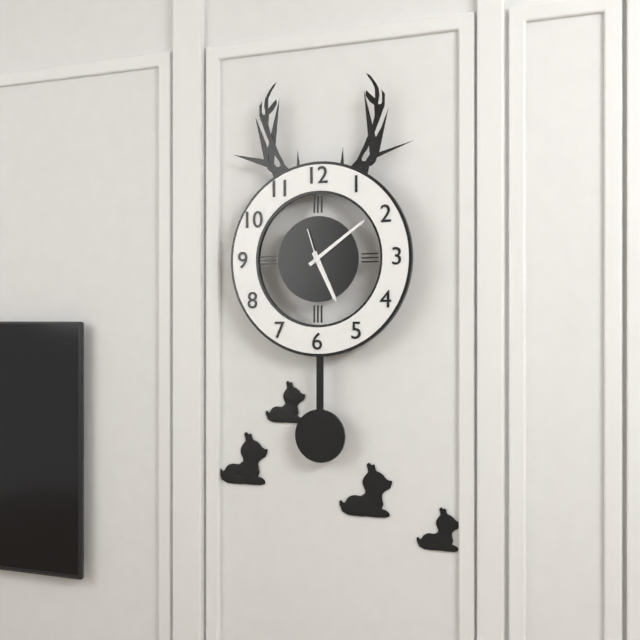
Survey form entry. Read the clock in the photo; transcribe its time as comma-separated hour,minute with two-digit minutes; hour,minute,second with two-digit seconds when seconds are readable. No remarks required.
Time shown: 5,09
